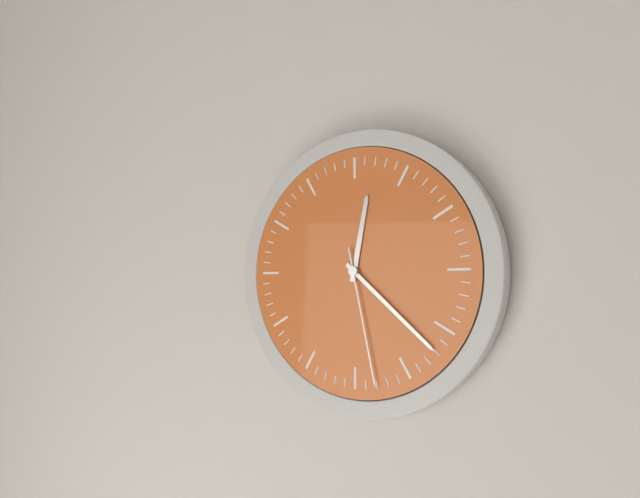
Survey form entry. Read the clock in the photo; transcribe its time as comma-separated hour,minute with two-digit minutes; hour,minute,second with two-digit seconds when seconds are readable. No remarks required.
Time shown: 12,22,28
